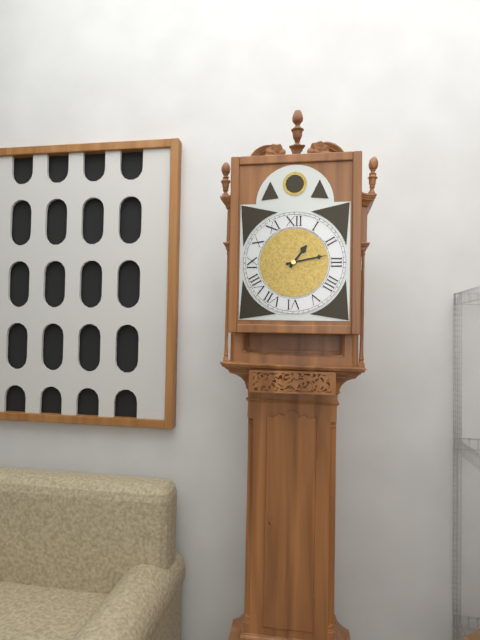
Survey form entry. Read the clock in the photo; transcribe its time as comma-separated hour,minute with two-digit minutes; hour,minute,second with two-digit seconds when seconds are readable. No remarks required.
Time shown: 1,13
